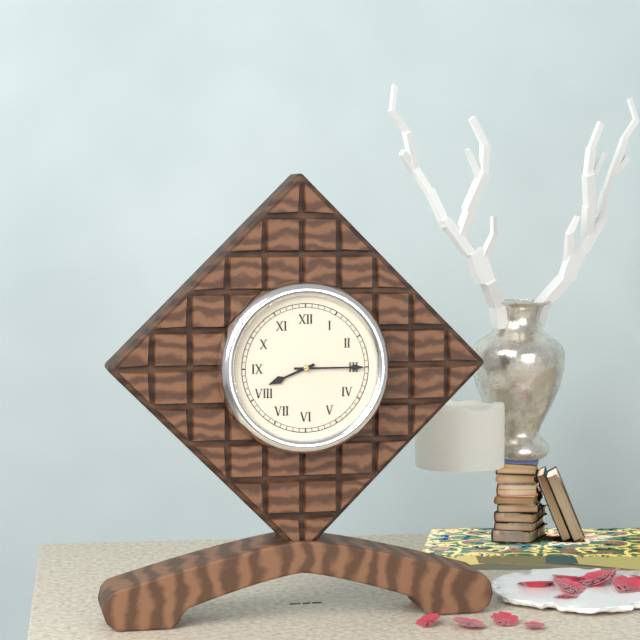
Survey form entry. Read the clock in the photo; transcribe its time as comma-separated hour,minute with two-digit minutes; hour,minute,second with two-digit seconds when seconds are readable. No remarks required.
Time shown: 8,15
